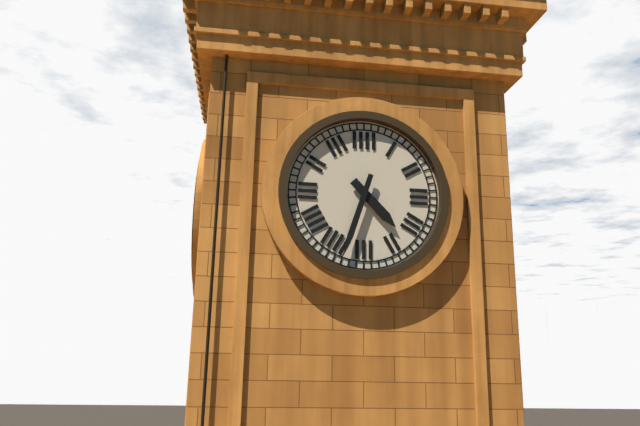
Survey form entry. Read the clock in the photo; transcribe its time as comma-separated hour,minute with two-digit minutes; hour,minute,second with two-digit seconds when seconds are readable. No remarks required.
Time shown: 4,33
